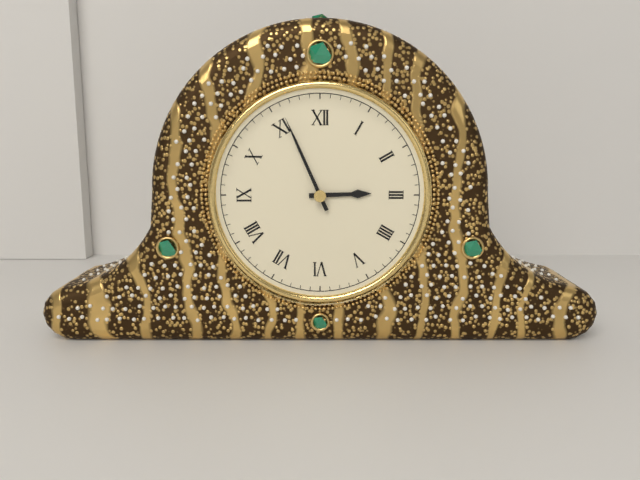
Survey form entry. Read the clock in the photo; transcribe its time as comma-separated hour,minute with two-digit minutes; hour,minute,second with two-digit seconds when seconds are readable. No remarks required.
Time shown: 2,56
